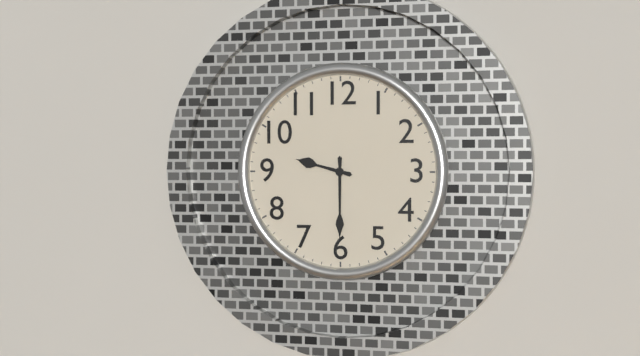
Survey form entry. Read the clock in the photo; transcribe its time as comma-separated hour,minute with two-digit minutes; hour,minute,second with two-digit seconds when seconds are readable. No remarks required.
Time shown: 9,30
